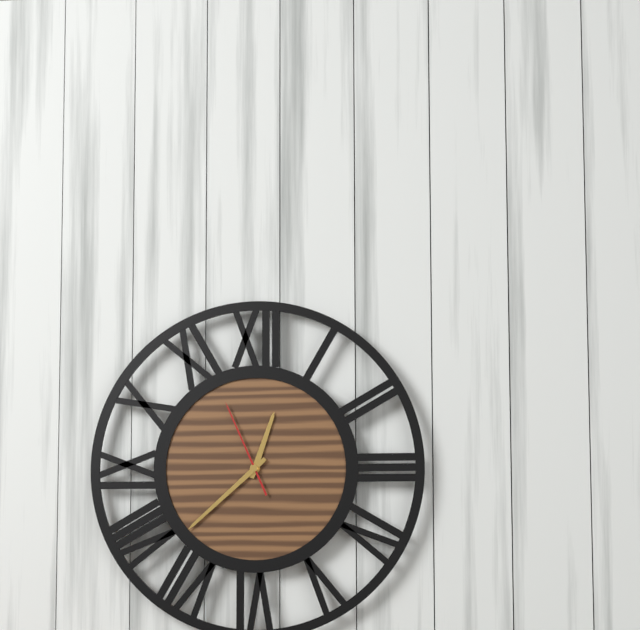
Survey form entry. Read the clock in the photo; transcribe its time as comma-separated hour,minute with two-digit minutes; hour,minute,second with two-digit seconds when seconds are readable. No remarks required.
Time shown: 12,38,56
